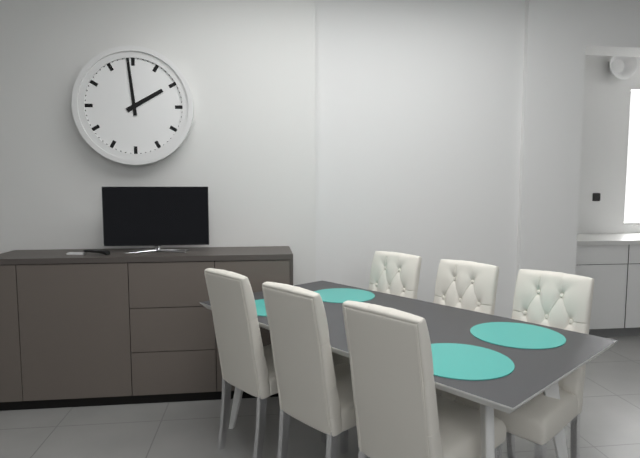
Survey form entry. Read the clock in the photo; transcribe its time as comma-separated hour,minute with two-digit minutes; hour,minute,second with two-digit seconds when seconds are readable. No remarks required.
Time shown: 1,59
